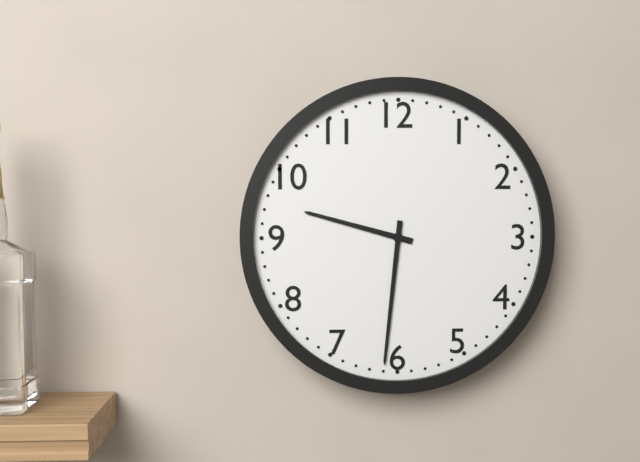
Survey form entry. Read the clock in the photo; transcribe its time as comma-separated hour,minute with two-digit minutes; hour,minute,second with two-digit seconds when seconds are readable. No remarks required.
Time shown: 9,31
